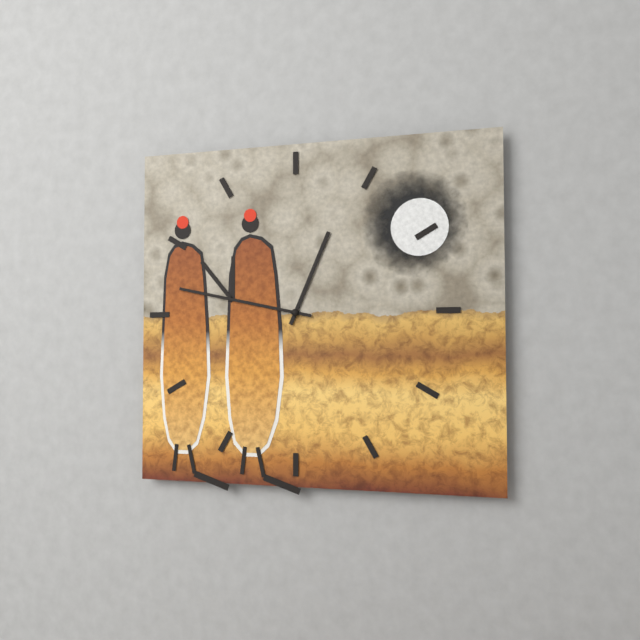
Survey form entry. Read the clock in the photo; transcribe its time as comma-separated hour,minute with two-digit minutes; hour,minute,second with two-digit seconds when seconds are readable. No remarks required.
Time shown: 12,47
